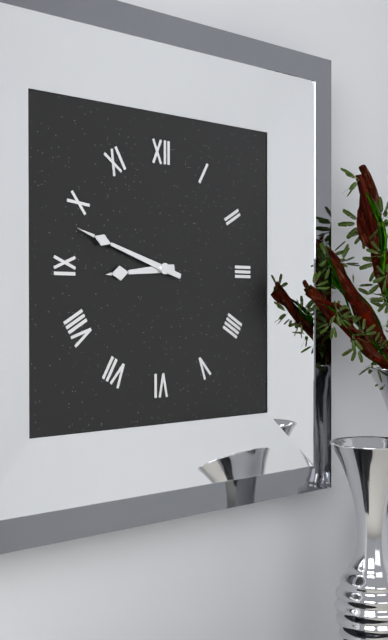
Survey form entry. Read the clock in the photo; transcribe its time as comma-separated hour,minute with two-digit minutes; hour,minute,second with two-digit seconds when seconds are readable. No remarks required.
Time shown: 8,48
